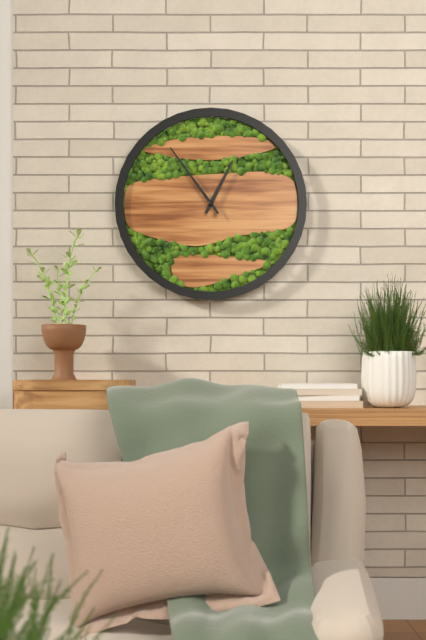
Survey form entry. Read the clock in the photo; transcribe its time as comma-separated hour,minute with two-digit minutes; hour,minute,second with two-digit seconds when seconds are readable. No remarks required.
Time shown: 12,54
